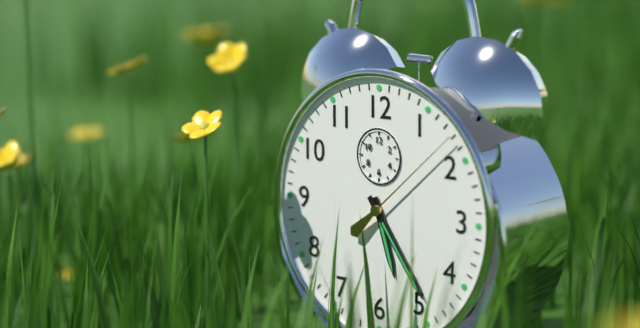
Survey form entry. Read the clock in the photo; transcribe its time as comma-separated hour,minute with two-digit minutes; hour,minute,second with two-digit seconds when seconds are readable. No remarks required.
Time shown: 5,24,08
